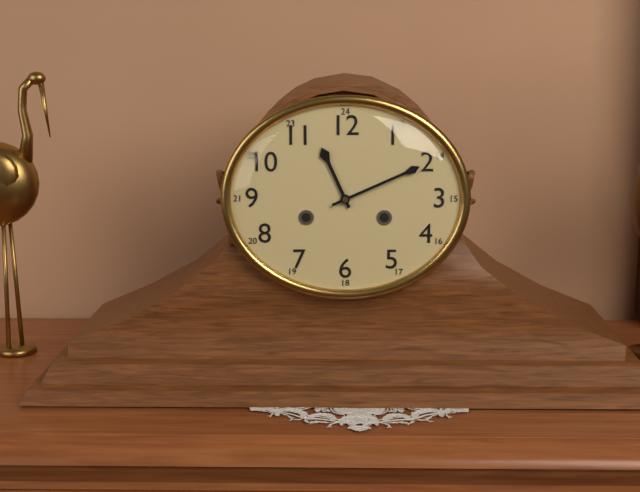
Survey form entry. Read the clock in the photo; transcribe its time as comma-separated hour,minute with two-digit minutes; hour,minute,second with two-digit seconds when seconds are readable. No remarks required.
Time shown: 11,11
